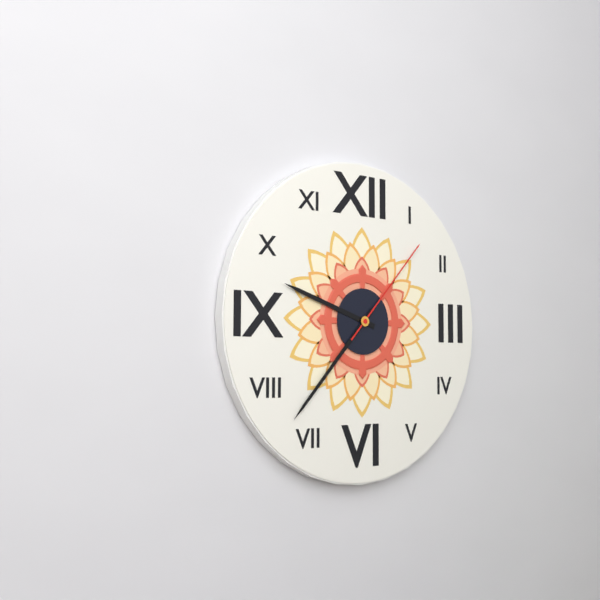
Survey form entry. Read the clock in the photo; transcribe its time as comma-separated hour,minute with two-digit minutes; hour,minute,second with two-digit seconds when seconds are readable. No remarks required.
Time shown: 9,37,07
